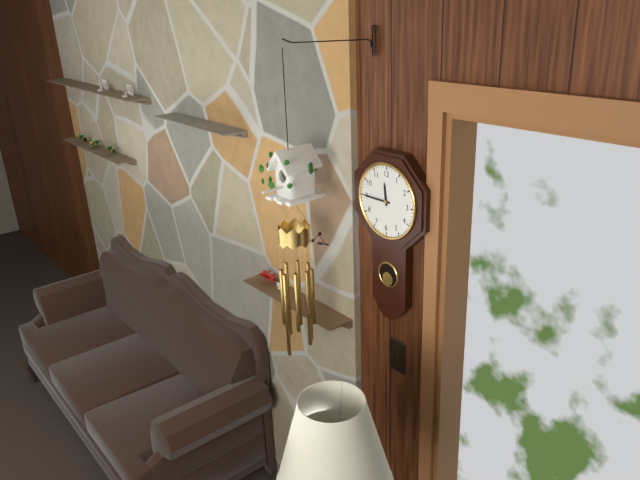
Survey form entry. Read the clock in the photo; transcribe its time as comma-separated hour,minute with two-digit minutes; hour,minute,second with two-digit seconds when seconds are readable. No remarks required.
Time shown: 11,45
